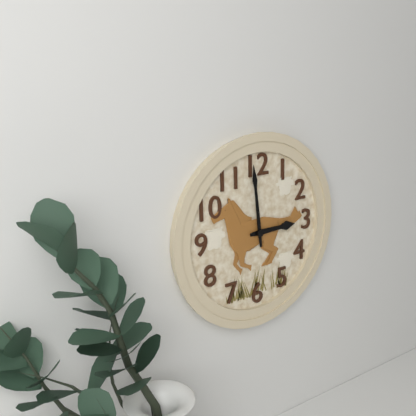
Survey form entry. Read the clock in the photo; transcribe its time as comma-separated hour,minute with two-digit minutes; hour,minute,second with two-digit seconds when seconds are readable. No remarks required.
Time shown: 2,59
